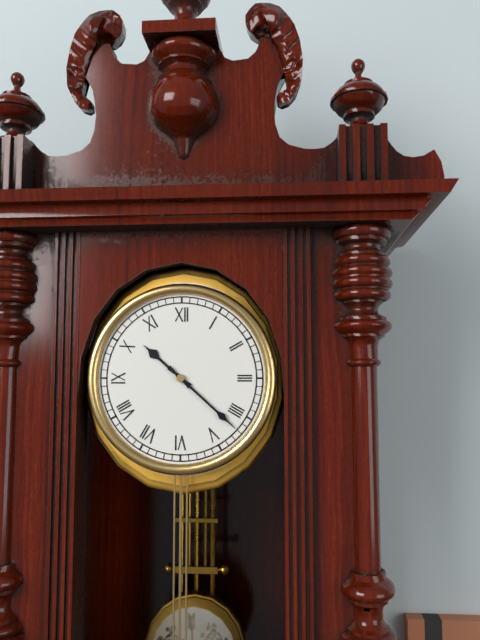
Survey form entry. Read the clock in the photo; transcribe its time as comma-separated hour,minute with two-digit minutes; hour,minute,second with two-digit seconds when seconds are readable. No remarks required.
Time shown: 10,22
